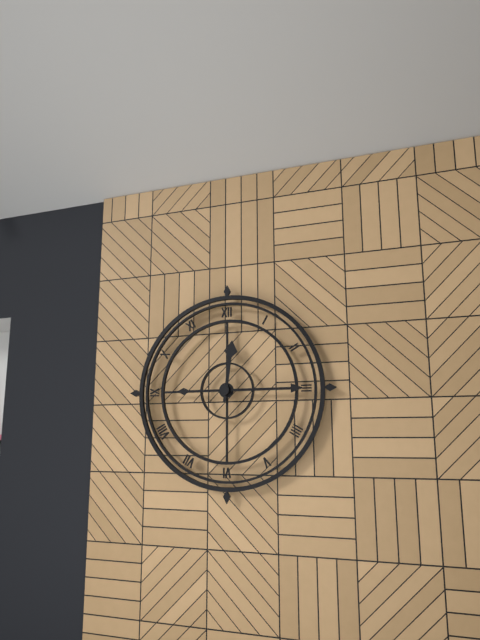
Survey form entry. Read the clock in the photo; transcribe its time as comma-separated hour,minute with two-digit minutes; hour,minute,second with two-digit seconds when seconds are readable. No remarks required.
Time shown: 12,15
